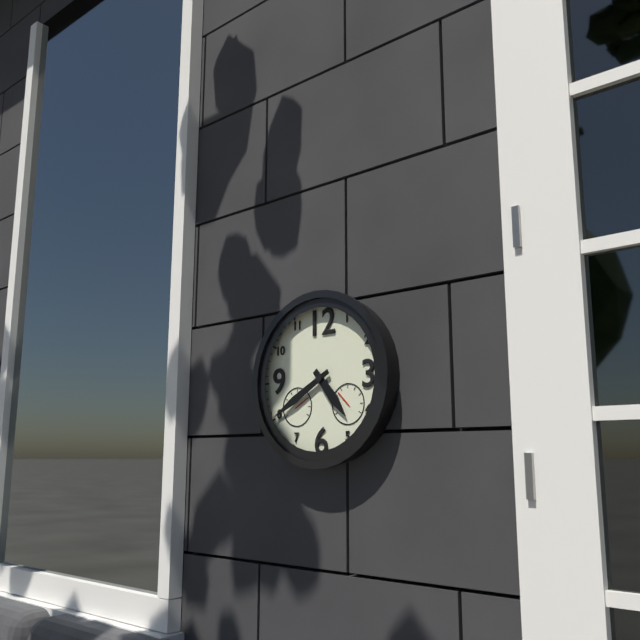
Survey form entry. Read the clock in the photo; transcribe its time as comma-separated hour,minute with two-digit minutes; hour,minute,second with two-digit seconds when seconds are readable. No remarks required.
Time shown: 4,40
